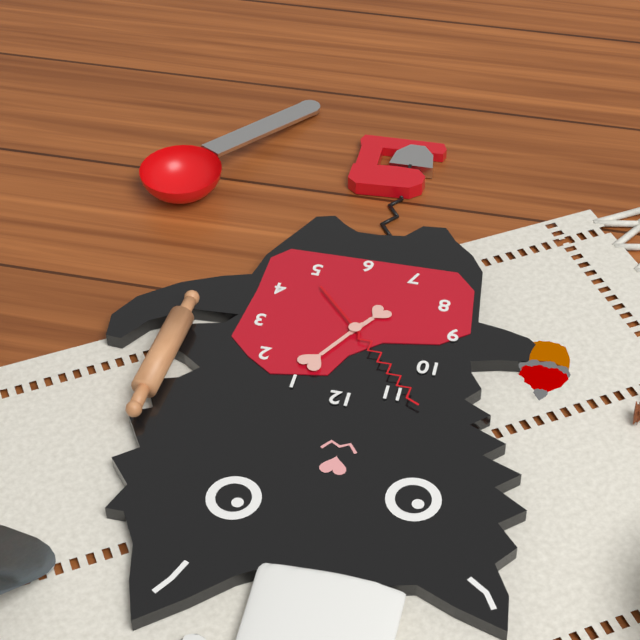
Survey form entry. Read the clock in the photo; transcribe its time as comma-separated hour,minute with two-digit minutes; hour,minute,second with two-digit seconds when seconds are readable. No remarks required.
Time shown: 7,05,53
